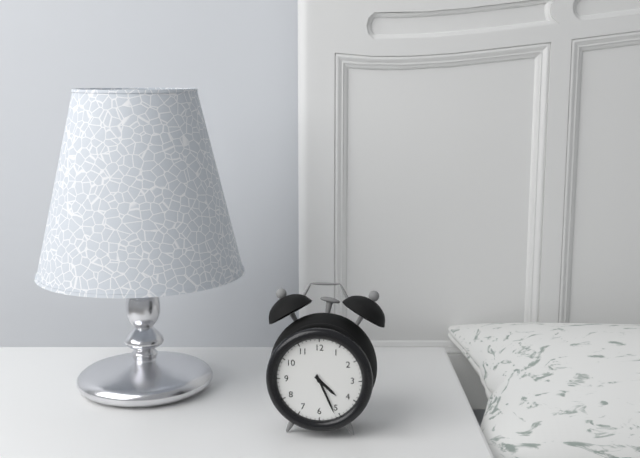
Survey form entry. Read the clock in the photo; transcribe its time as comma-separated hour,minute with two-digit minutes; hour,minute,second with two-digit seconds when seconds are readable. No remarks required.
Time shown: 4,26
